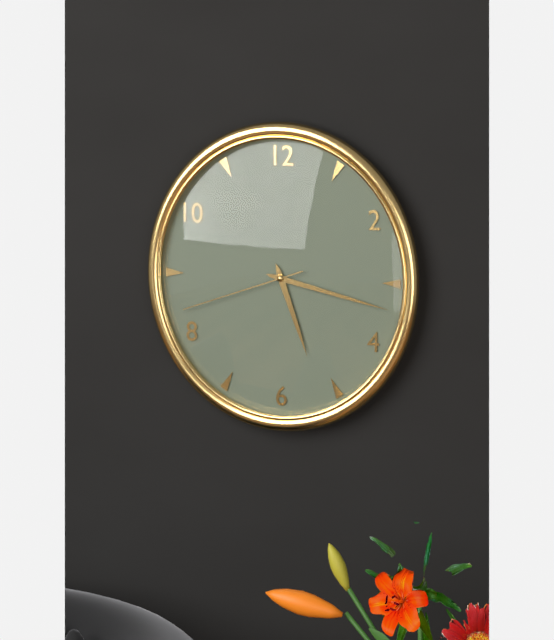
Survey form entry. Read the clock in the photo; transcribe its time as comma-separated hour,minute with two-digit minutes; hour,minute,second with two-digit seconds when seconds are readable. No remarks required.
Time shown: 5,17,42
